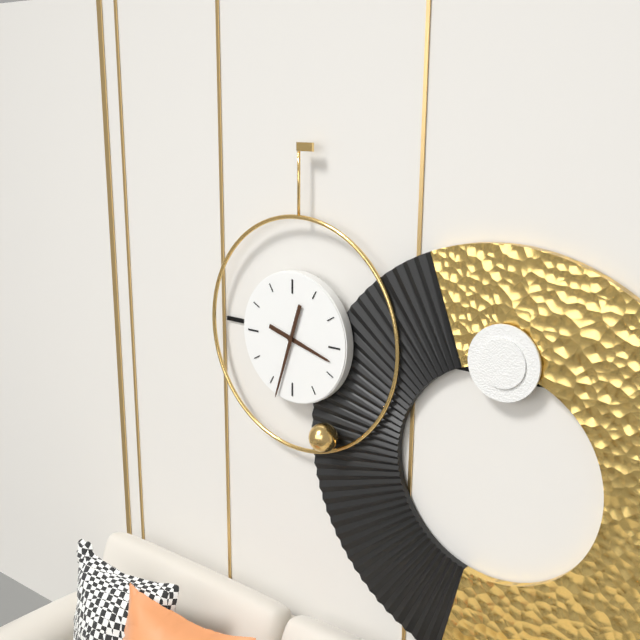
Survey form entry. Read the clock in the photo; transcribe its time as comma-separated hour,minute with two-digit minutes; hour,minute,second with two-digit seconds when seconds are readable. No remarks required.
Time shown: 3,33
